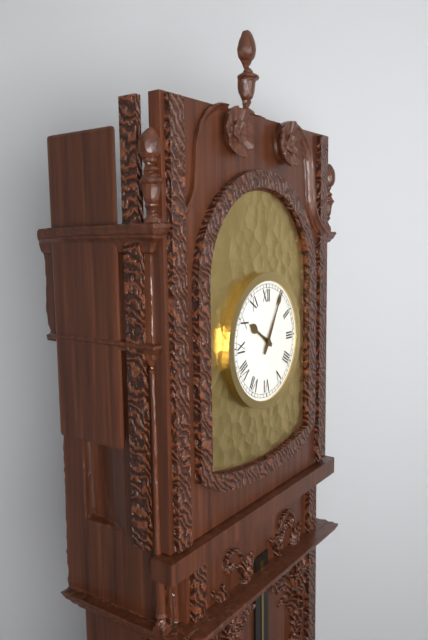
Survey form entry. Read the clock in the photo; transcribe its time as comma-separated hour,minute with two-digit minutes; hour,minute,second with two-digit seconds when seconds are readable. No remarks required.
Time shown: 10,05
